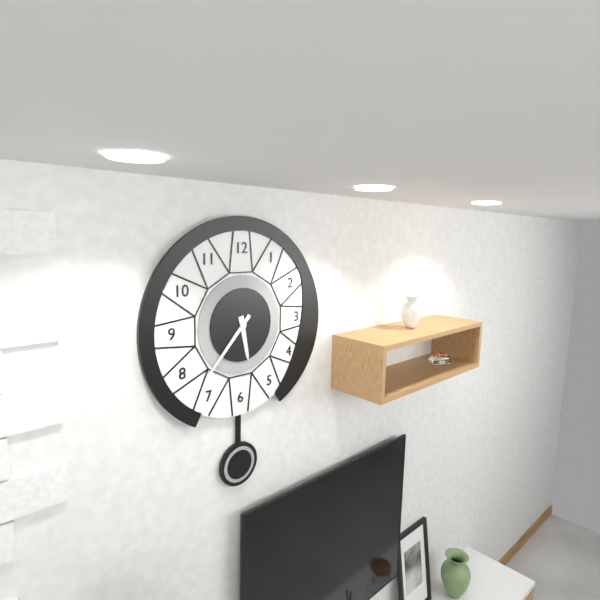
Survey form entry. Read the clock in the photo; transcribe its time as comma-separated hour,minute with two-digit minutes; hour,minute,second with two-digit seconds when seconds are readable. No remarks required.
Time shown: 5,37
